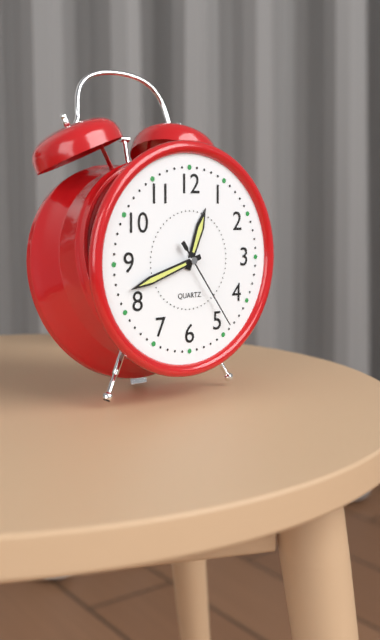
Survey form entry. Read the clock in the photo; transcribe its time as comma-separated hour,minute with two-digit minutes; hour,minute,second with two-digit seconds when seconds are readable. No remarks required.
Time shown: 12,42,24
